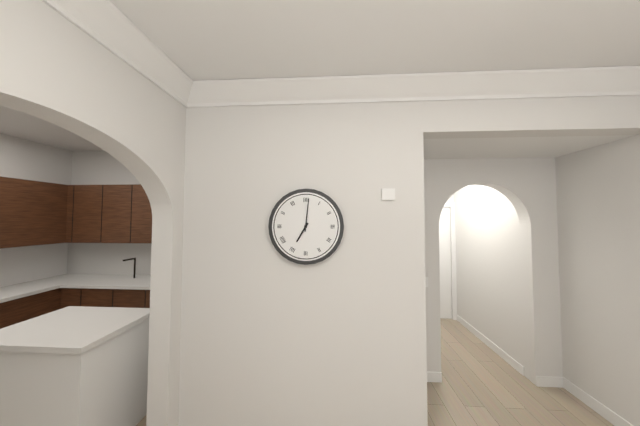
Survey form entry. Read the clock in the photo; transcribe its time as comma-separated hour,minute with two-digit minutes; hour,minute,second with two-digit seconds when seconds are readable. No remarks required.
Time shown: 7,01
